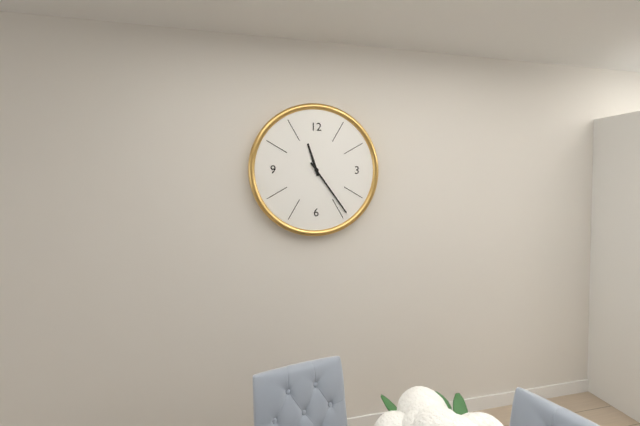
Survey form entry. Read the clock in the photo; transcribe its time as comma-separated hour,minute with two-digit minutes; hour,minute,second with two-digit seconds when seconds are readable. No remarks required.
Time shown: 11,24
